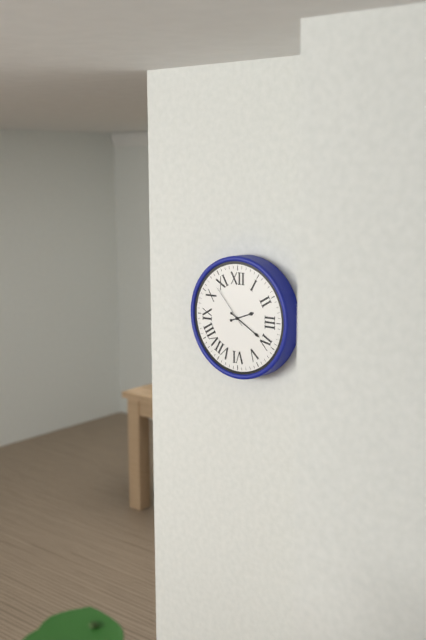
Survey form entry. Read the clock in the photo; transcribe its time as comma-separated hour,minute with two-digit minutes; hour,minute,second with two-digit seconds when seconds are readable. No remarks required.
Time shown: 2,20
